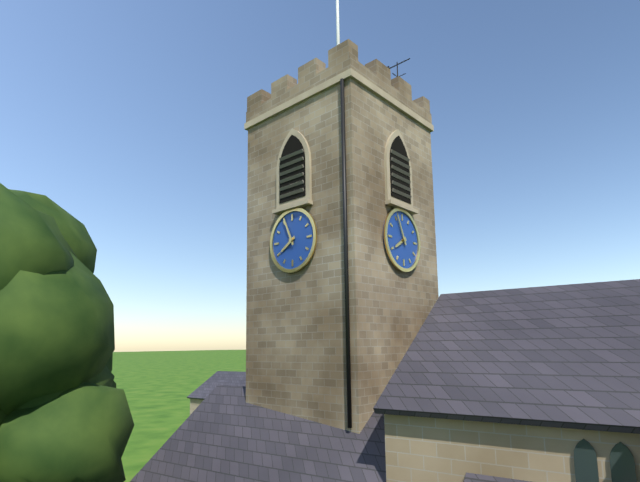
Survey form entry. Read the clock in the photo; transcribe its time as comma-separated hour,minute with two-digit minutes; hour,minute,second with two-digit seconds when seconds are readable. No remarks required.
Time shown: 7,56
